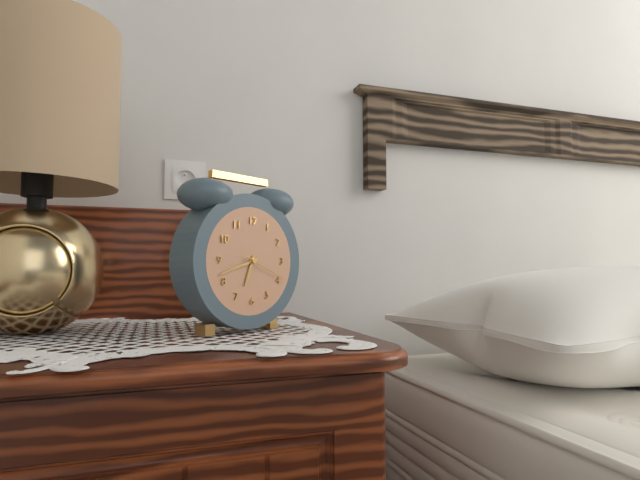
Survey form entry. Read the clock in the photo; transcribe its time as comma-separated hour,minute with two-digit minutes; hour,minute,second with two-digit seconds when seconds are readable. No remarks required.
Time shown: 6,42
